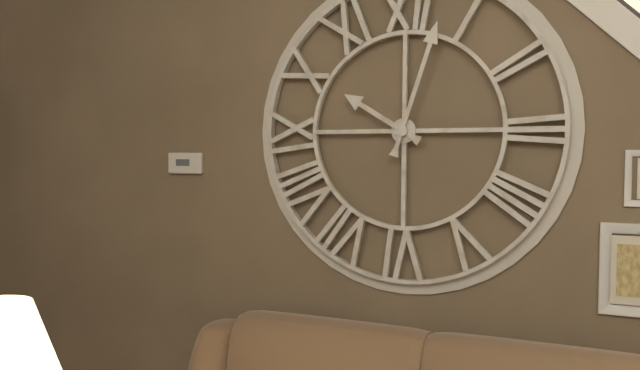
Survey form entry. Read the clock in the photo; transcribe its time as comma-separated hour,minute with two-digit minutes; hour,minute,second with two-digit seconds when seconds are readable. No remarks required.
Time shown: 10,03
